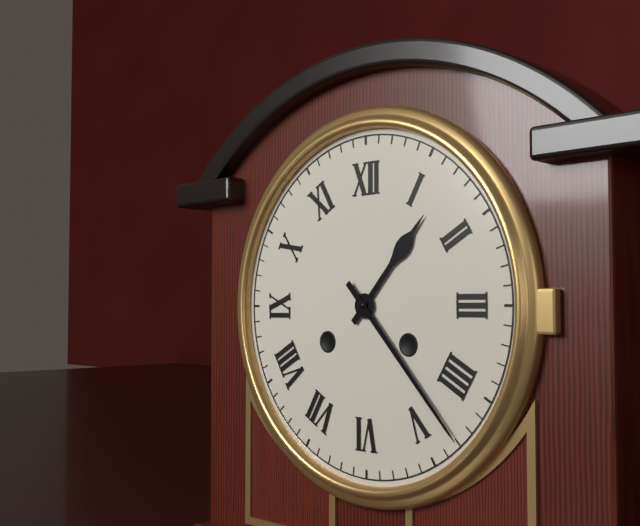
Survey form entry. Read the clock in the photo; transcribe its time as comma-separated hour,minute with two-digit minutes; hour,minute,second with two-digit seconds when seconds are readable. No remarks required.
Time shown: 1,23
